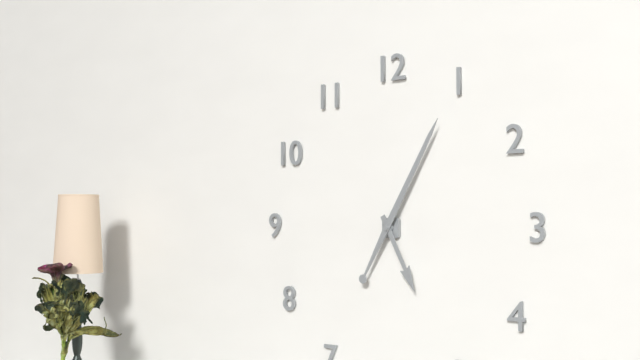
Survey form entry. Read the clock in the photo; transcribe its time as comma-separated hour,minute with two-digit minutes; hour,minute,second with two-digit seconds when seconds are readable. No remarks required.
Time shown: 5,05
